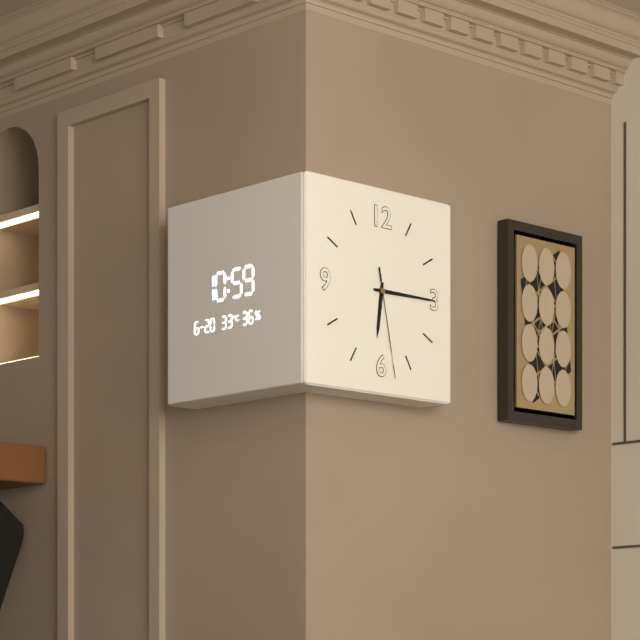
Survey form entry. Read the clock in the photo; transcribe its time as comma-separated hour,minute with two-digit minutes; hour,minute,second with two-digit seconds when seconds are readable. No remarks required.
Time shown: 6,15,28
